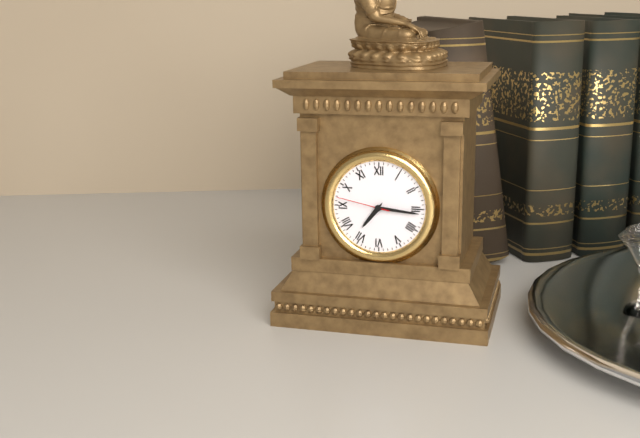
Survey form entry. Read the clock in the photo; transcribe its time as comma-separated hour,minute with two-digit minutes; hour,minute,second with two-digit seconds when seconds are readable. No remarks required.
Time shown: 7,16,47
